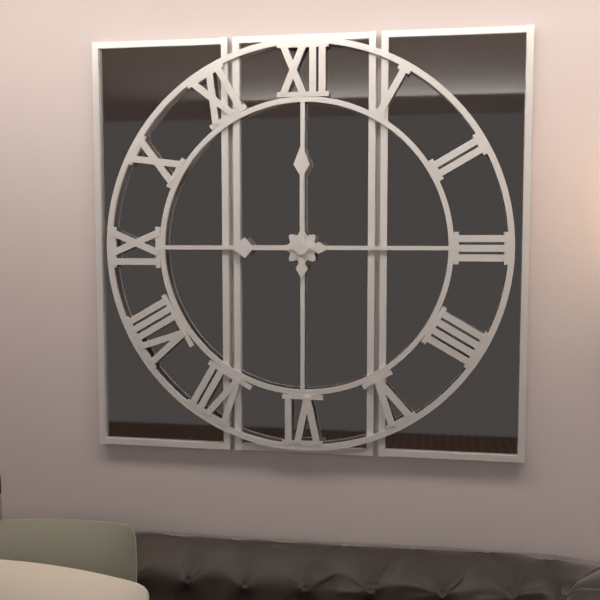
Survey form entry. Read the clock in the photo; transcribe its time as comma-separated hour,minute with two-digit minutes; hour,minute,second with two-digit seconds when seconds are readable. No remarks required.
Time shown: 9,00
